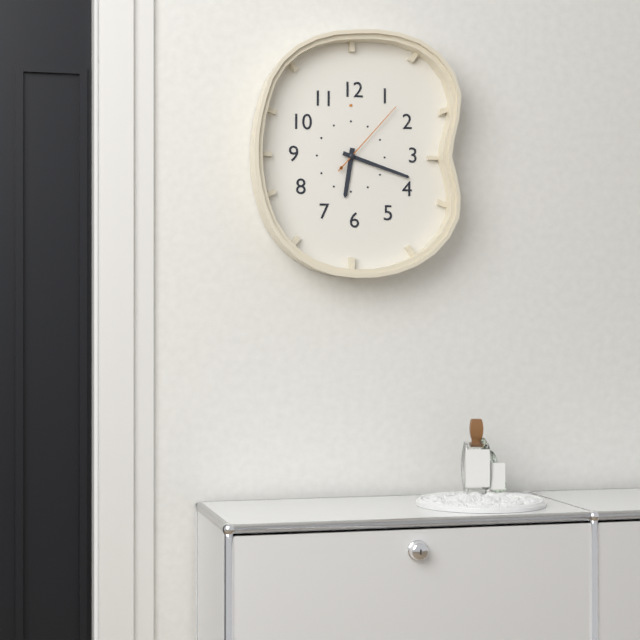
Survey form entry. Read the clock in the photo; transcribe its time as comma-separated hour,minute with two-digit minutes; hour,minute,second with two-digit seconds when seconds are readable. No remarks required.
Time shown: 6,18,07
